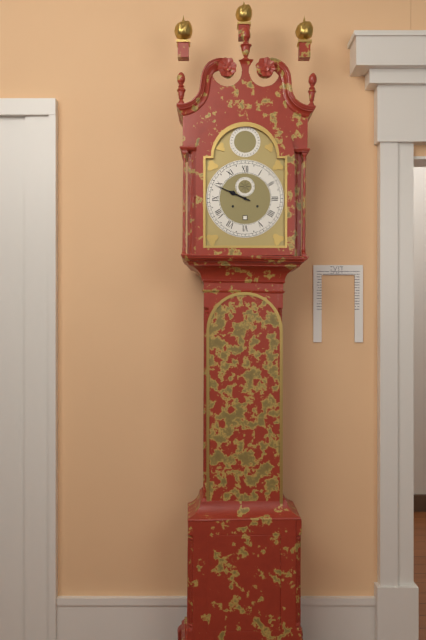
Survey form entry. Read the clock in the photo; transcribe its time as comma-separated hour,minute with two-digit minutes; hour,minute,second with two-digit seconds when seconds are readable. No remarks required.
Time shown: 9,49
